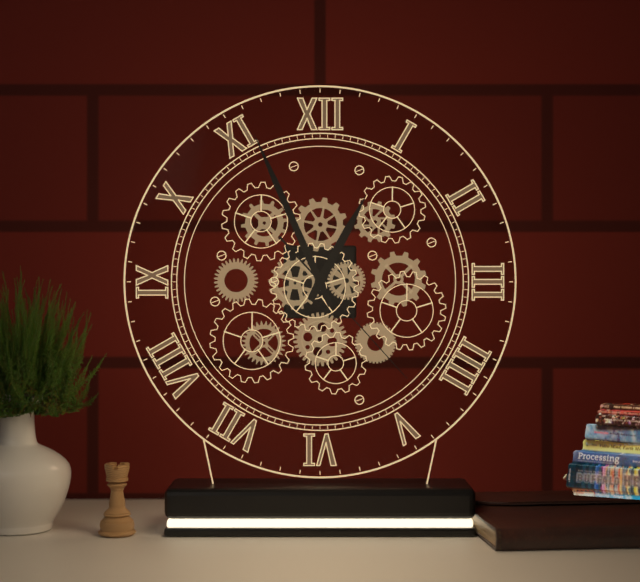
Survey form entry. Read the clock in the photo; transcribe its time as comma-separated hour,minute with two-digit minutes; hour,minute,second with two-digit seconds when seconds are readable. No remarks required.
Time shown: 12,56,23
